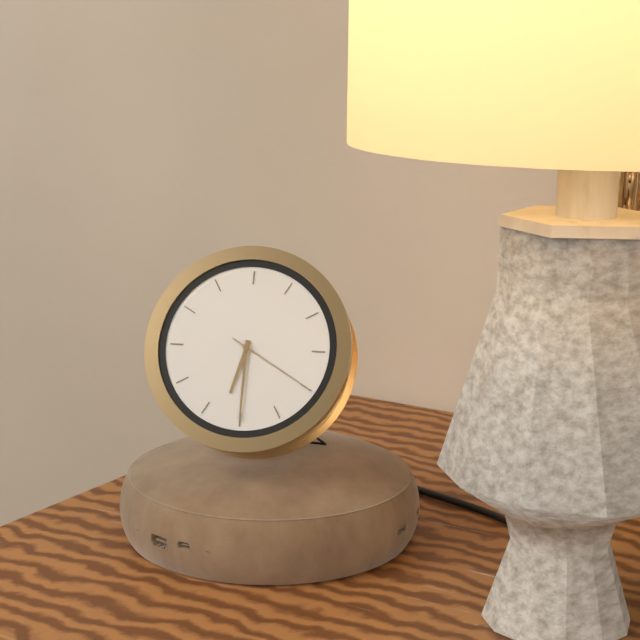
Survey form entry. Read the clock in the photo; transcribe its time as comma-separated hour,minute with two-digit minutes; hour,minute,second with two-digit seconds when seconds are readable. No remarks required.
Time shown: 6,30,20
